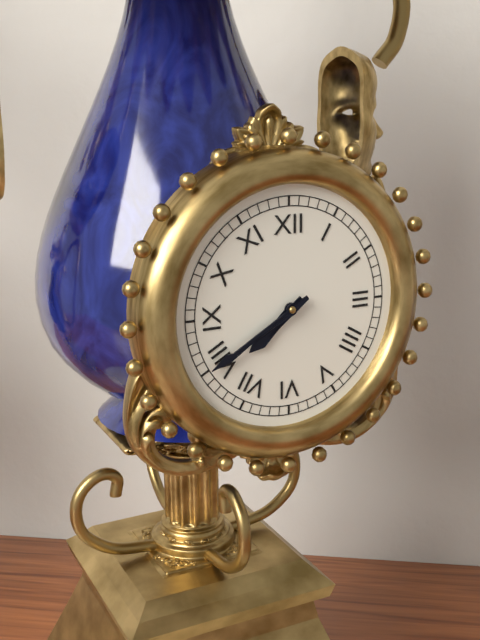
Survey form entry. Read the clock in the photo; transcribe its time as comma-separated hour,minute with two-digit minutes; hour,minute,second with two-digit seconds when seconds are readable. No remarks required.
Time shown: 7,40
